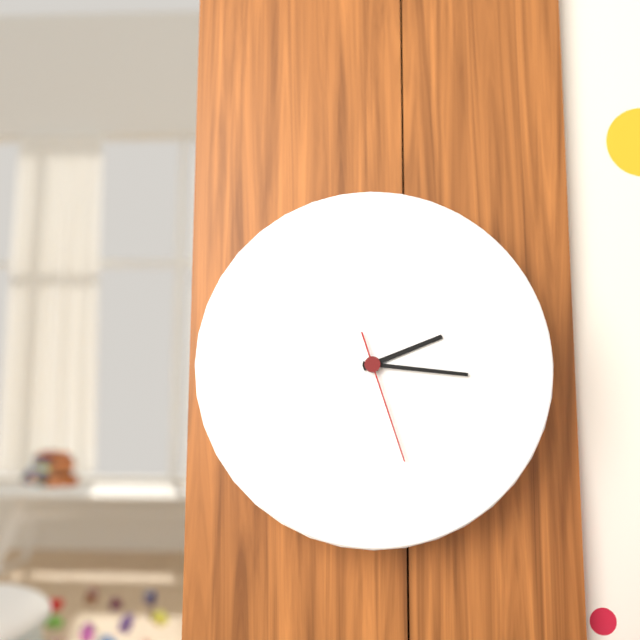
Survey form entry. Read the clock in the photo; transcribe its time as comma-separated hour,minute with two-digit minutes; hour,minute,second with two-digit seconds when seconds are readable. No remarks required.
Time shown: 2,16,27
